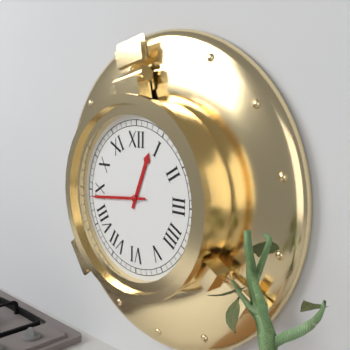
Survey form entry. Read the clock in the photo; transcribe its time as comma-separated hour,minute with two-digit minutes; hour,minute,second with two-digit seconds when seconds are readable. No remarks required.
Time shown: 12,44
